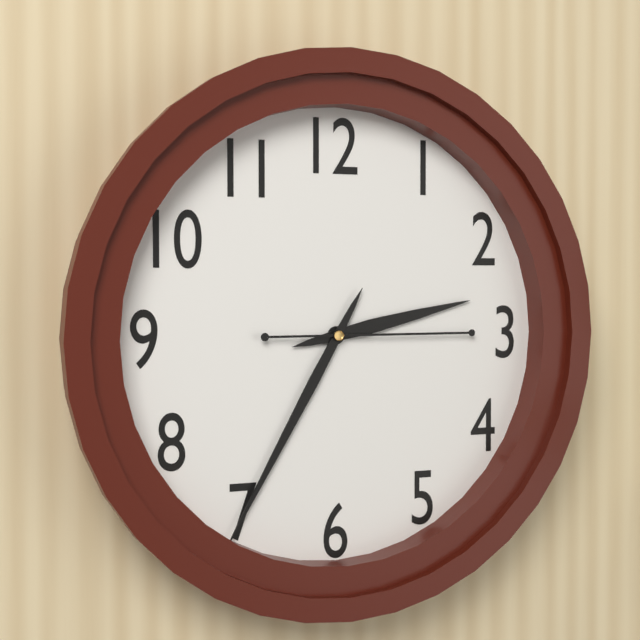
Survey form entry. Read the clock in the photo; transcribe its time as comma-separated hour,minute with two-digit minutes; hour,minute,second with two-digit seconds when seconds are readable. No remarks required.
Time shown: 2,35,15
